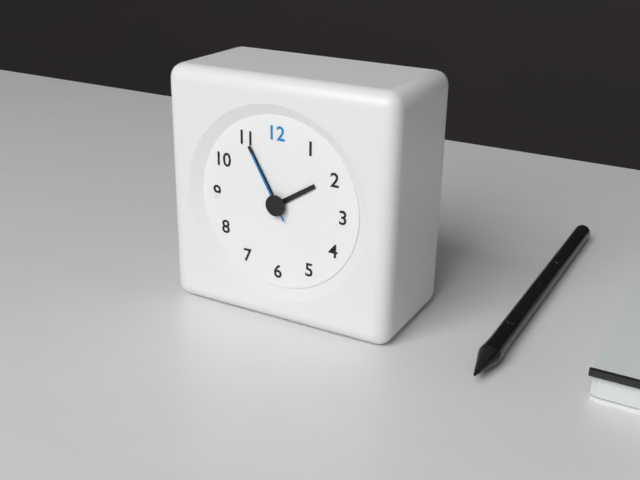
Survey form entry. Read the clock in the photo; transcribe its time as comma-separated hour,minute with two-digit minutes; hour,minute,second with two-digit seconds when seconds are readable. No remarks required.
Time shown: 1,55,55
